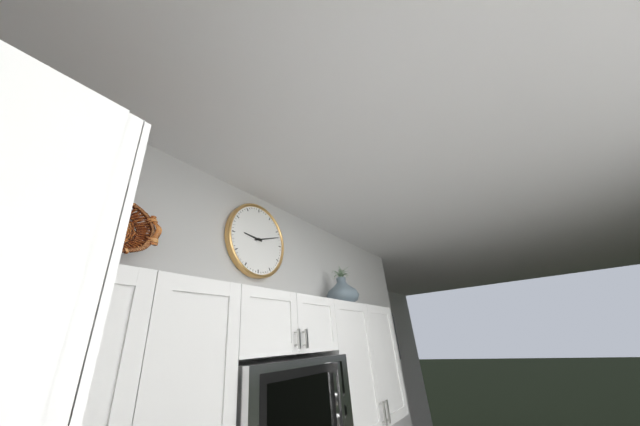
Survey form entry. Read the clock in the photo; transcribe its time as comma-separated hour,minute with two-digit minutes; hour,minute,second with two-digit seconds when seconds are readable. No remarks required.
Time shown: 9,12
